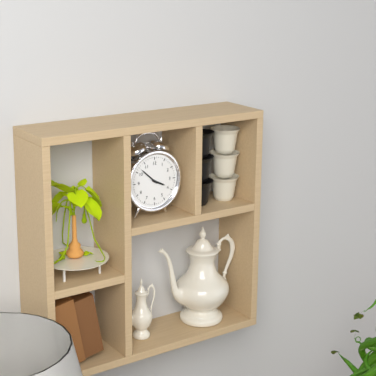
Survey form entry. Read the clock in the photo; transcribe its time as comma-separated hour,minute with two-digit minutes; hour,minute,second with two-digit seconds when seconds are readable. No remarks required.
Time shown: 3,52
